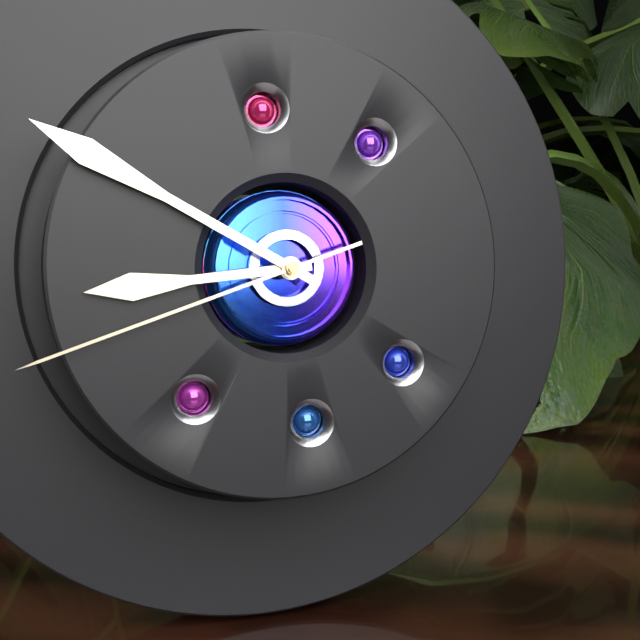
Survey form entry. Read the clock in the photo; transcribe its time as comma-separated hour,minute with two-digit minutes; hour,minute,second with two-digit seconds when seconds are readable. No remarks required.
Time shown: 8,50,42
